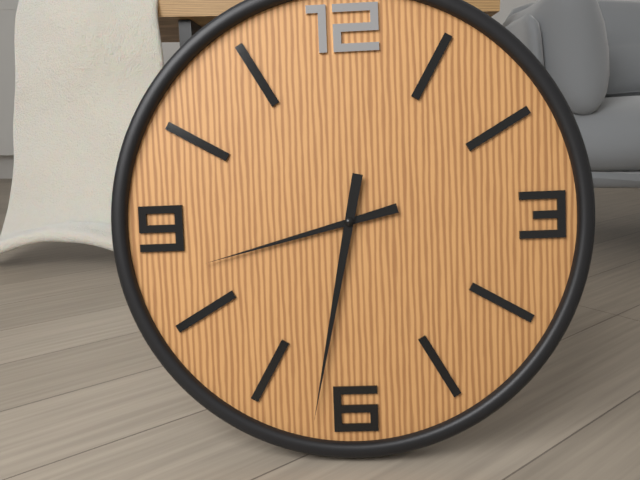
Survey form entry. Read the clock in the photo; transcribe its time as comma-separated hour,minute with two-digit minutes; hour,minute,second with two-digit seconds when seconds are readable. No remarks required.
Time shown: 8,32
